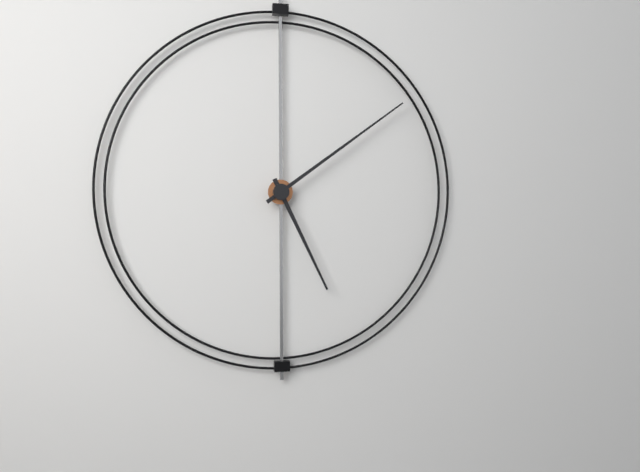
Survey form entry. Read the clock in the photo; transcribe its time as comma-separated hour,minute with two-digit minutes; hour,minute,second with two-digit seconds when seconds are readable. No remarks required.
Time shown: 5,09
